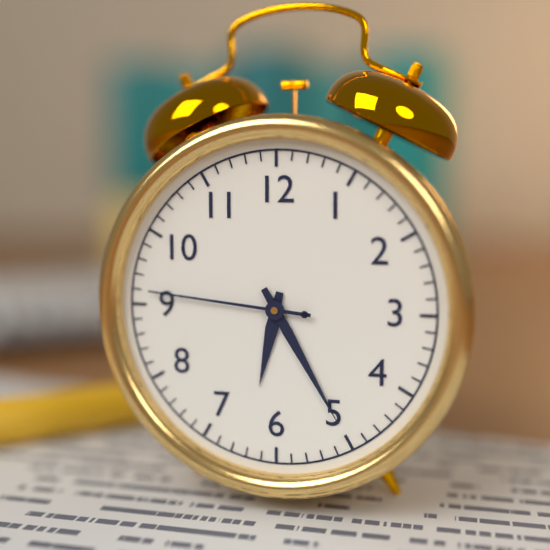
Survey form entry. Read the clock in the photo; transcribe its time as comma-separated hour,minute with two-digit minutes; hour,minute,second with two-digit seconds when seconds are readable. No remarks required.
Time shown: 6,25,46
